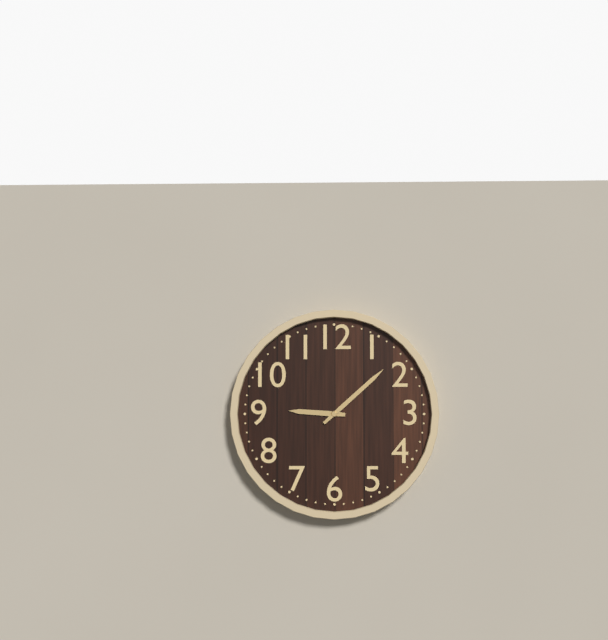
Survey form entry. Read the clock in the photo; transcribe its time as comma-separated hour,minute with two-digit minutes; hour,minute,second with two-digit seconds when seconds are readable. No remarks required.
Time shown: 9,08
